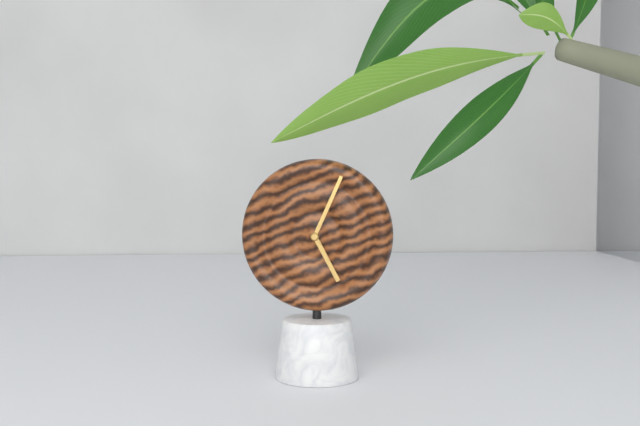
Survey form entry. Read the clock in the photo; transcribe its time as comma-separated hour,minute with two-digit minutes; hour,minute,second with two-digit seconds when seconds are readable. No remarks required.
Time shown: 5,04
